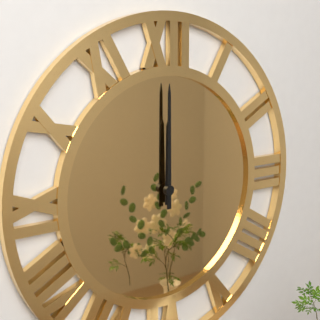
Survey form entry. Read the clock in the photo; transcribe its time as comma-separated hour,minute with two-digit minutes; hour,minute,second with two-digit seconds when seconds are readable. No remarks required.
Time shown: 12,00
